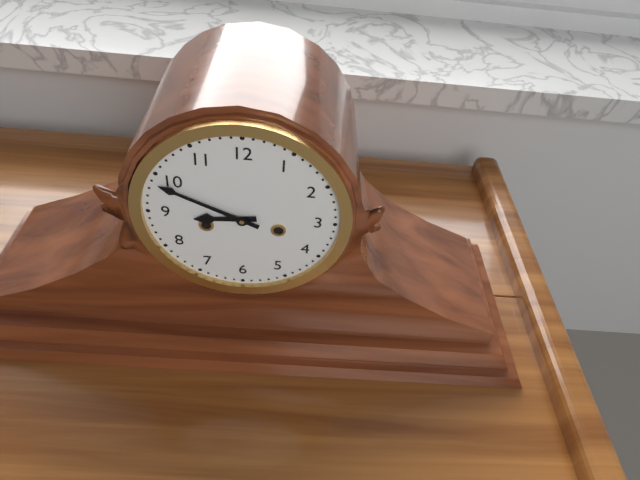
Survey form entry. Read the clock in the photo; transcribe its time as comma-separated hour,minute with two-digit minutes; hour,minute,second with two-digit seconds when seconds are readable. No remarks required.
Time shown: 8,49
